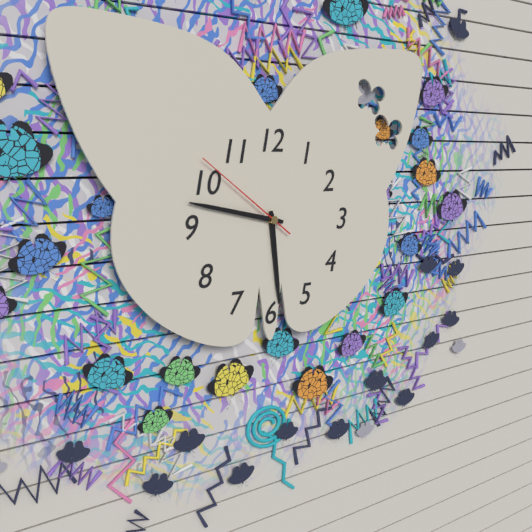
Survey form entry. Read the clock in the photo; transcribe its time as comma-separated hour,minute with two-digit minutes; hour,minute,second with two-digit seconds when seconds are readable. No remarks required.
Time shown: 5,47,51
